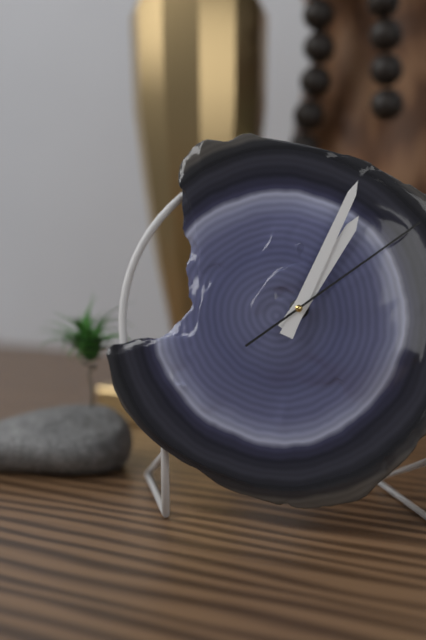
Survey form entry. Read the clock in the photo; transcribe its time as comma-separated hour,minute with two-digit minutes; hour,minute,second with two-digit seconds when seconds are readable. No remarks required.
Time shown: 1,04,09
